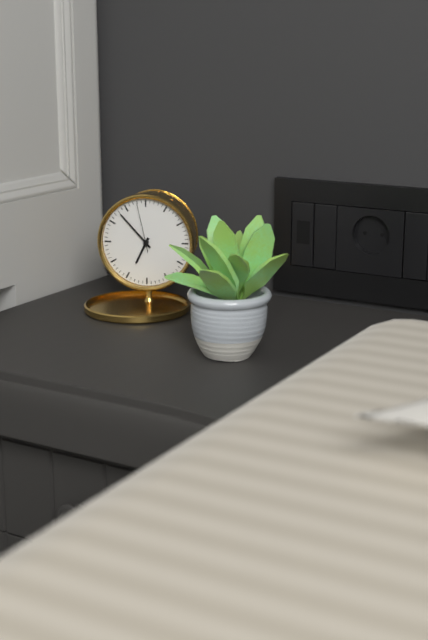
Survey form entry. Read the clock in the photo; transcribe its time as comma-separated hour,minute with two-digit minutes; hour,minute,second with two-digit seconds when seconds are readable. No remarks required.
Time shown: 6,53,58
